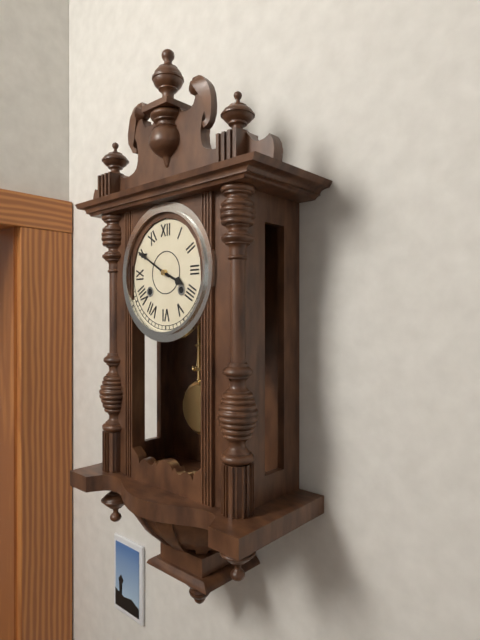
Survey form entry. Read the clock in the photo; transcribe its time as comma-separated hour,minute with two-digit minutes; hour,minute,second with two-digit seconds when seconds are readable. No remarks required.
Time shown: 3,50
